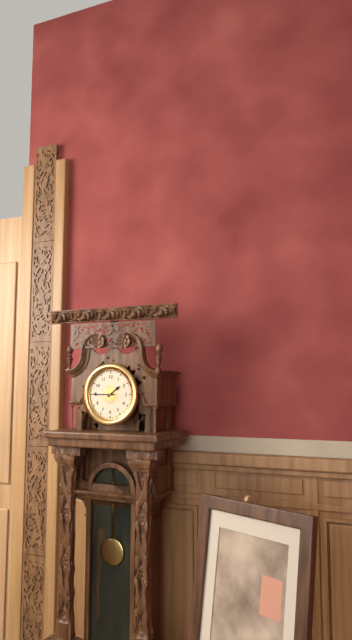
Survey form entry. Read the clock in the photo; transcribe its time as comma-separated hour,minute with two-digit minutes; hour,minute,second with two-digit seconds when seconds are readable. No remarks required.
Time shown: 1,45
